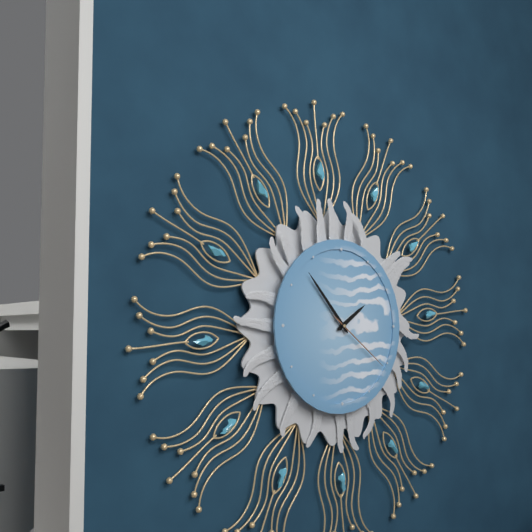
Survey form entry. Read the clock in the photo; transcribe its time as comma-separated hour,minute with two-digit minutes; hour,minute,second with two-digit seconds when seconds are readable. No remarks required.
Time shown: 1,53,21
